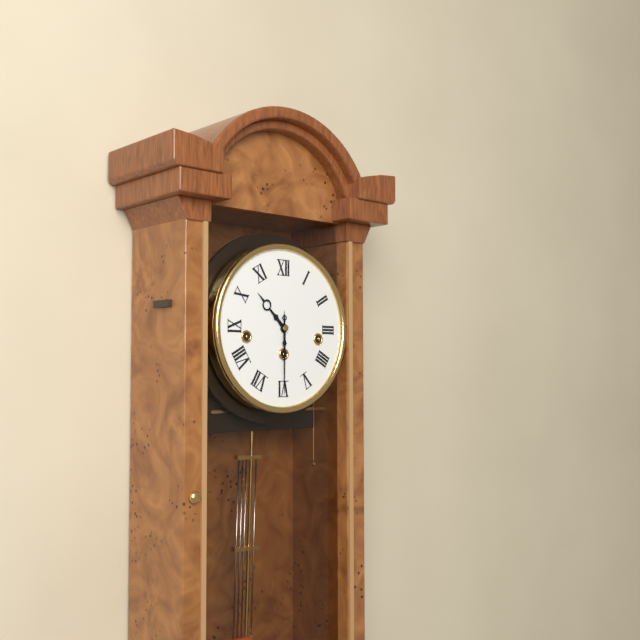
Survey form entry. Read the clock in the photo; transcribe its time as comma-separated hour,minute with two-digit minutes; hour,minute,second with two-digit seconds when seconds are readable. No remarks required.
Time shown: 10,30
